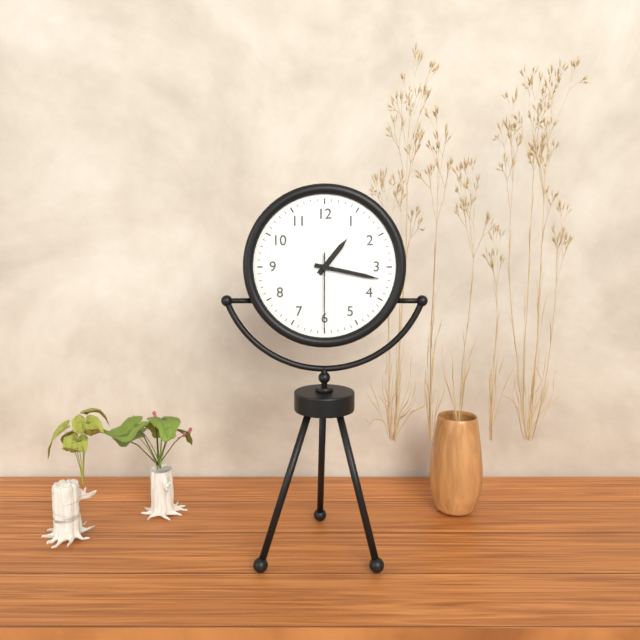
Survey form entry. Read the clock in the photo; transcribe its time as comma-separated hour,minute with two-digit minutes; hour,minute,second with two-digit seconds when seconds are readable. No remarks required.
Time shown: 1,17,30
